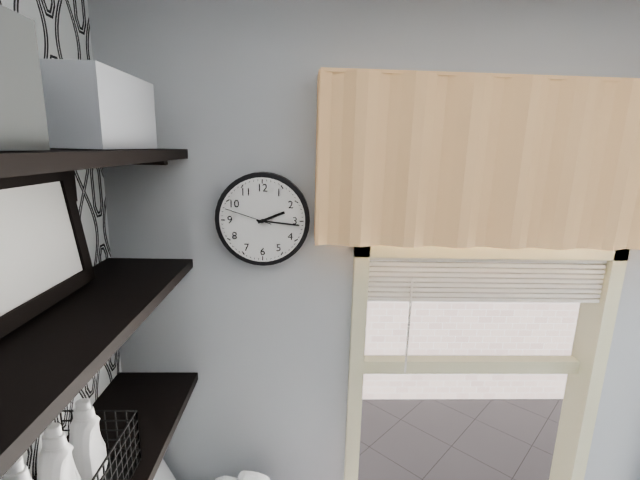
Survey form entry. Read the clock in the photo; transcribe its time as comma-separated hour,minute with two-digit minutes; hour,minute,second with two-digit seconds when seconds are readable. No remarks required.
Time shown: 2,16
